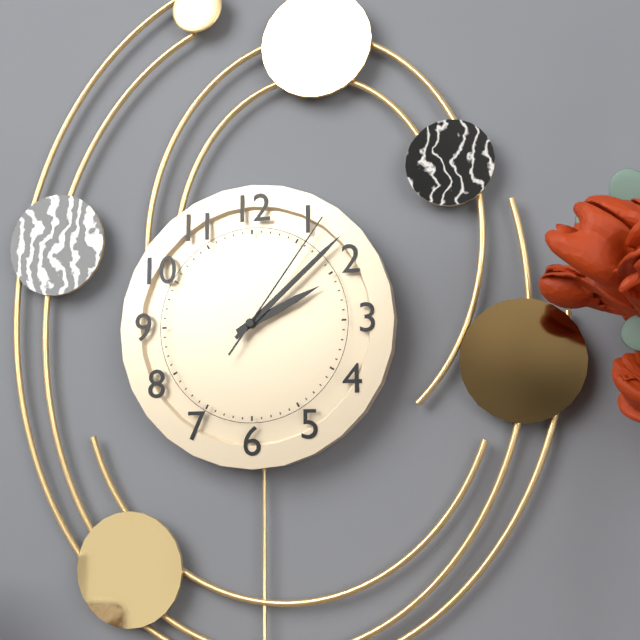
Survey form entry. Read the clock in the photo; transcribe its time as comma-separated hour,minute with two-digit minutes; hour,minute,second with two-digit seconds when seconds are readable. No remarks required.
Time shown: 2,08,06
